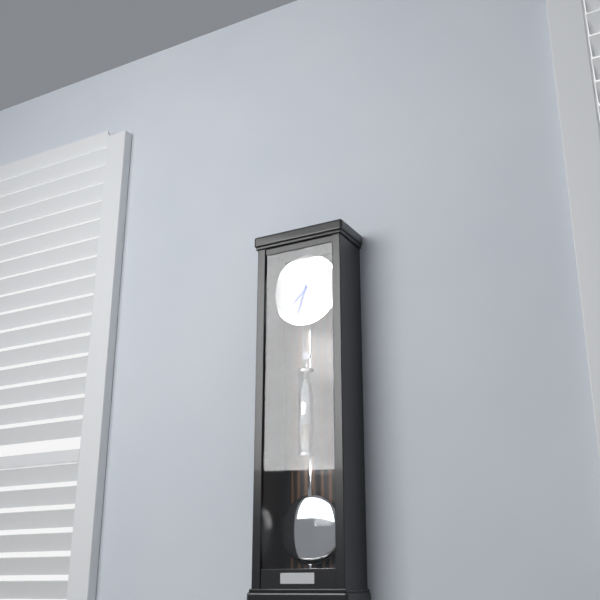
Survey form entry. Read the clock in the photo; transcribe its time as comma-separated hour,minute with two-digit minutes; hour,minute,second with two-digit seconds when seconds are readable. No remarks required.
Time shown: 7,33
